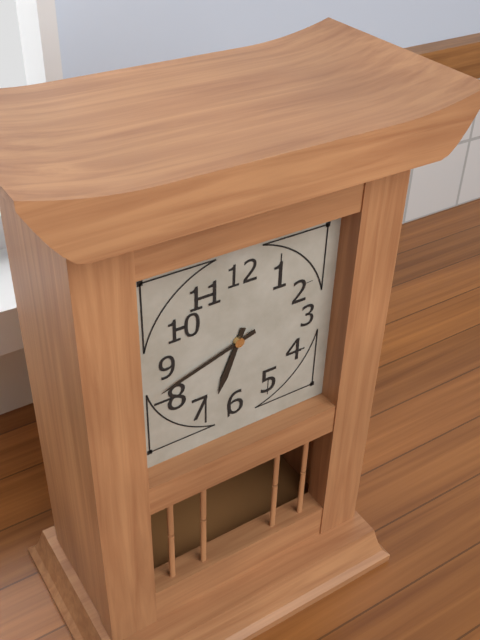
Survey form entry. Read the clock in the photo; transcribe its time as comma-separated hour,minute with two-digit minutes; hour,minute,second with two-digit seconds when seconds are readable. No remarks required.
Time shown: 6,42
